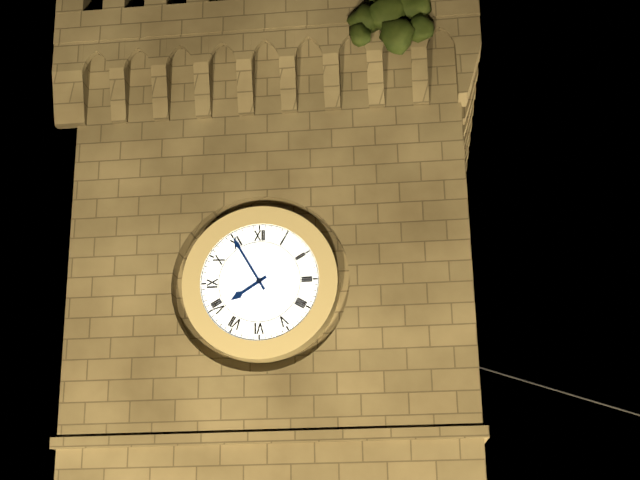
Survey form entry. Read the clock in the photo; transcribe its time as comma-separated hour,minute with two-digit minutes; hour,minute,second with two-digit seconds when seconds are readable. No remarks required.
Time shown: 7,55
